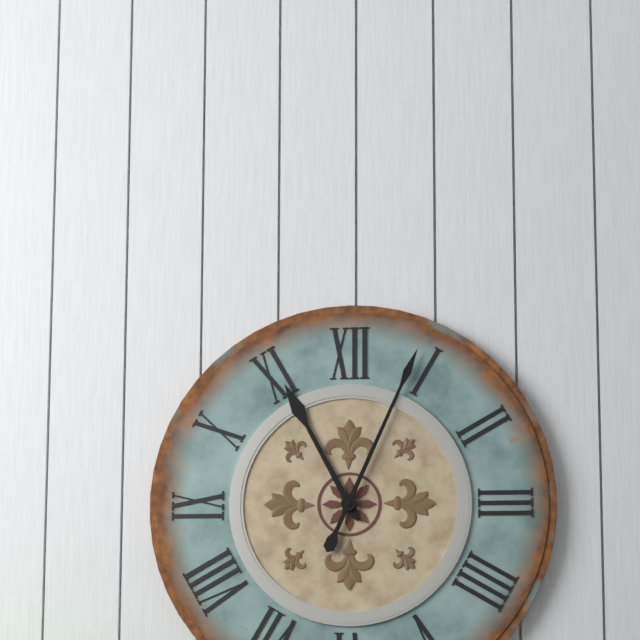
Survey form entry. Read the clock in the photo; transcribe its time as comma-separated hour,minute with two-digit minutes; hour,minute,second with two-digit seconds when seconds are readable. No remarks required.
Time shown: 11,04
